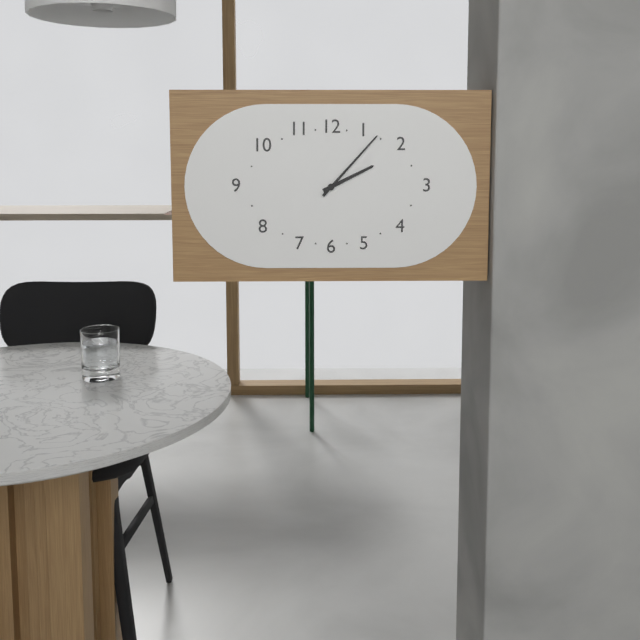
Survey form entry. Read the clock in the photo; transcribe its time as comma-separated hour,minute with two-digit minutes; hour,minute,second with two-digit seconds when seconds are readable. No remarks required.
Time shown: 2,07
